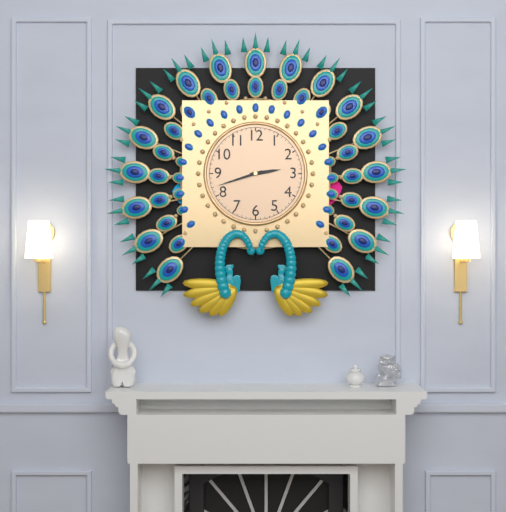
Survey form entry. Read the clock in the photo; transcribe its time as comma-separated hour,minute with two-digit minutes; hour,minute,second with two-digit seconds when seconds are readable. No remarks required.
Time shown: 2,42
